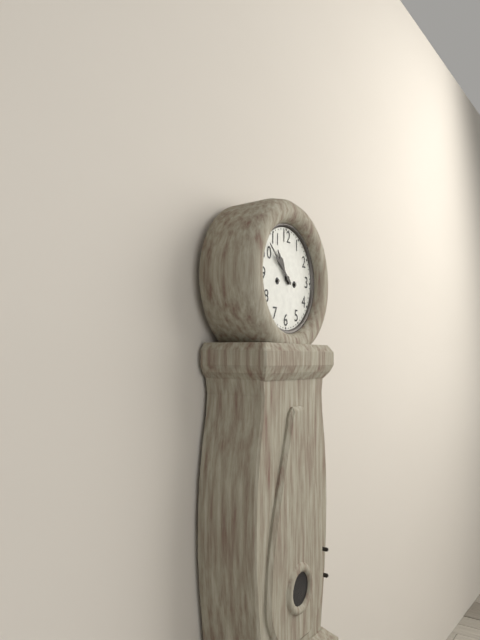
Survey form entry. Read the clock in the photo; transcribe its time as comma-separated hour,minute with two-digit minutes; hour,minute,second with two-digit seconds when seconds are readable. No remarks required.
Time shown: 10,52
